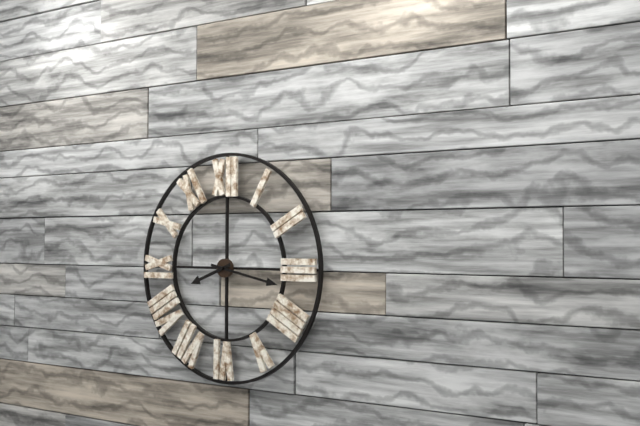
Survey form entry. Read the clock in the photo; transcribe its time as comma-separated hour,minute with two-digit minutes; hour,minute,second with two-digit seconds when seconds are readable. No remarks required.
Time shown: 8,17
